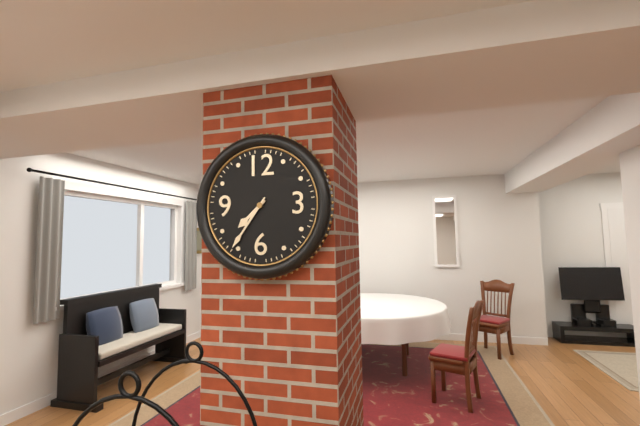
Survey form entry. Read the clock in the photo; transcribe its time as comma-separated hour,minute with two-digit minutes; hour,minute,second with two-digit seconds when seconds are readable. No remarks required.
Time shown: 7,36
